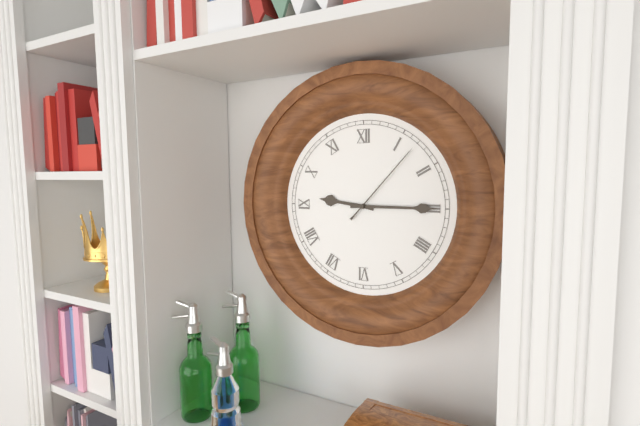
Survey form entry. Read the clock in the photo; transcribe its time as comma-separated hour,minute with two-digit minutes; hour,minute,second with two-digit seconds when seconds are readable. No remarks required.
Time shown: 9,15,07
